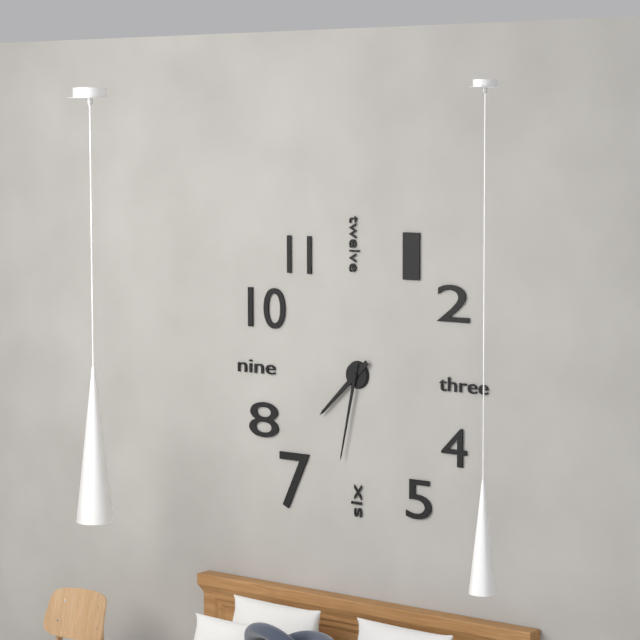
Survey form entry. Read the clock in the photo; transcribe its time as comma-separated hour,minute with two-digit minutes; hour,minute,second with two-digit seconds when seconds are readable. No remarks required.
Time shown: 7,32
